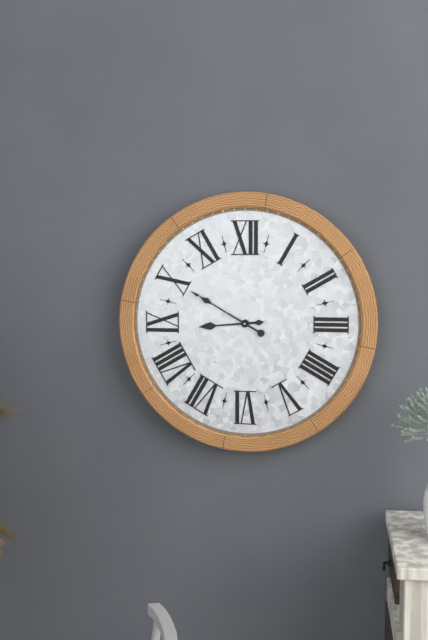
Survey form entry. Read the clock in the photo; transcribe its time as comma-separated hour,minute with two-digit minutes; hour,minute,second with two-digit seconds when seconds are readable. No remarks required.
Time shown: 8,50
